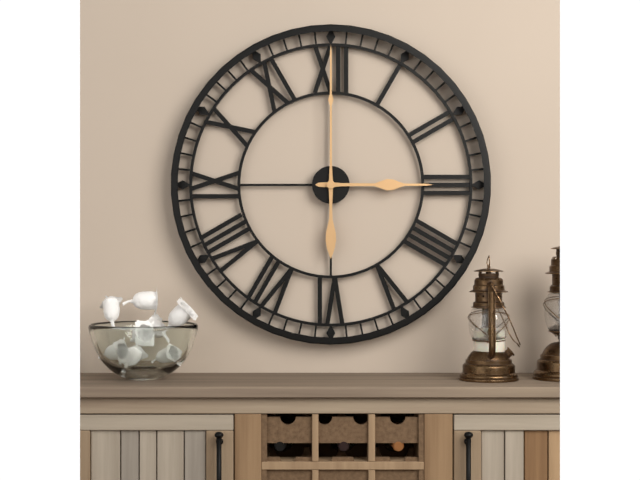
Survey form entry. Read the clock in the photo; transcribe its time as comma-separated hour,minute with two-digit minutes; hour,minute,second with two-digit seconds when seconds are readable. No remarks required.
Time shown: 3,00
